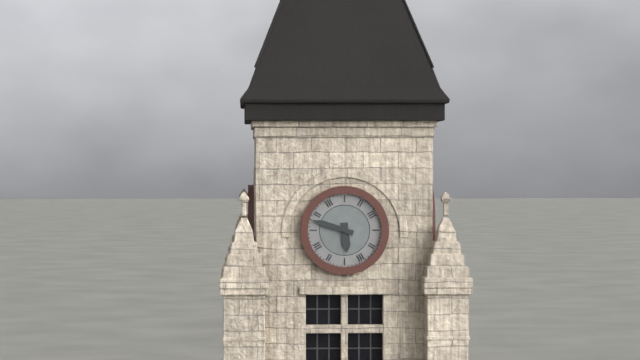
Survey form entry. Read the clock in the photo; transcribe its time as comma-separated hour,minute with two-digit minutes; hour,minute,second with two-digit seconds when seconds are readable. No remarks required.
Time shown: 5,48
